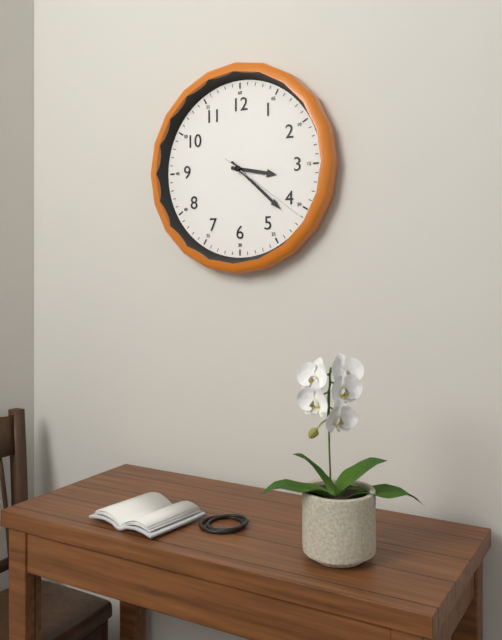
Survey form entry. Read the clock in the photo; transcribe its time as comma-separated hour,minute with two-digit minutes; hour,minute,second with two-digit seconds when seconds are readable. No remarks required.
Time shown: 3,22,21
